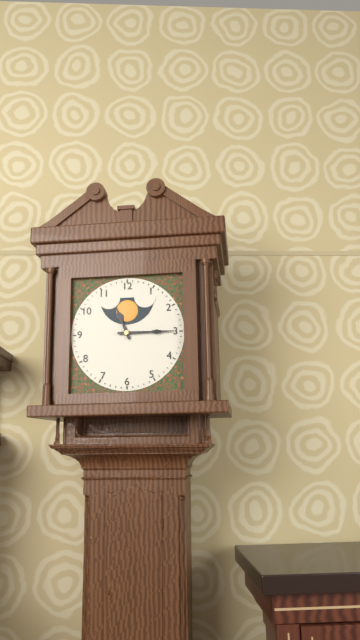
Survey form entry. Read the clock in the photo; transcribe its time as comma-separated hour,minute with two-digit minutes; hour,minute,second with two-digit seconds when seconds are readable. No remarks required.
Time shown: 11,15
